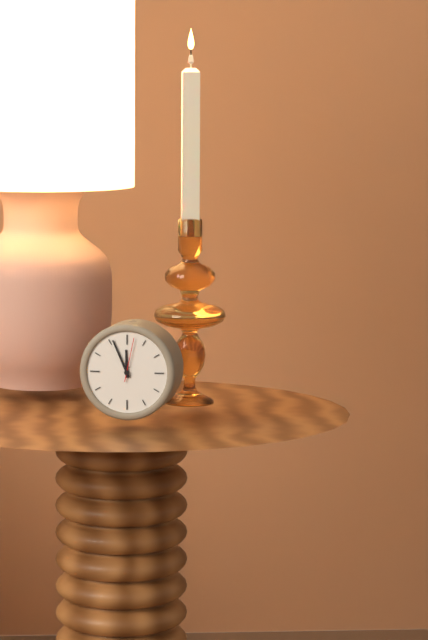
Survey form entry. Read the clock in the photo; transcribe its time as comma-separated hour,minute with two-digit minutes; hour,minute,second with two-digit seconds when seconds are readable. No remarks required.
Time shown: 11,56
